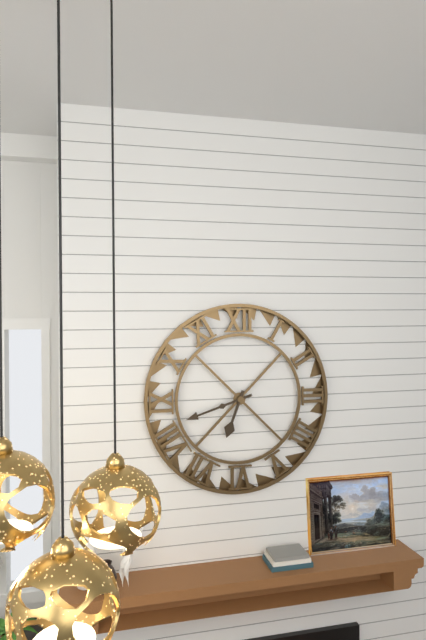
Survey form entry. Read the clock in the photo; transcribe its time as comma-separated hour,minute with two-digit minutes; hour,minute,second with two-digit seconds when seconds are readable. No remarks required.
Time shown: 6,42
